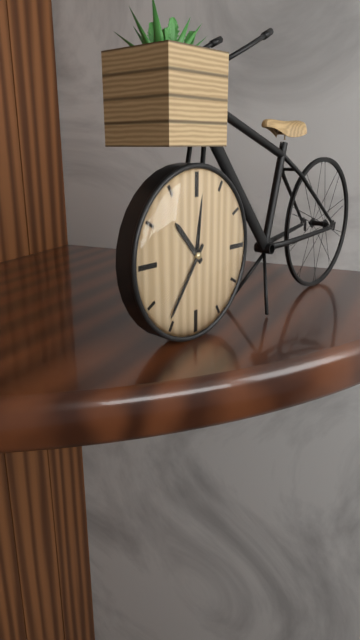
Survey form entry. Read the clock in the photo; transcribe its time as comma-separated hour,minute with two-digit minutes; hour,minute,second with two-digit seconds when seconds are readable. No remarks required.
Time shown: 10,36
